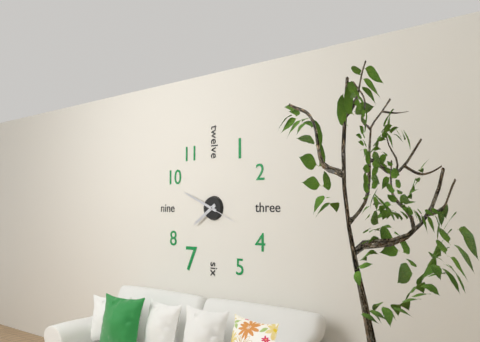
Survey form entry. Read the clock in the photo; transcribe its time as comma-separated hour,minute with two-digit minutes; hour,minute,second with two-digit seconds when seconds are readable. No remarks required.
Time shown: 7,49
